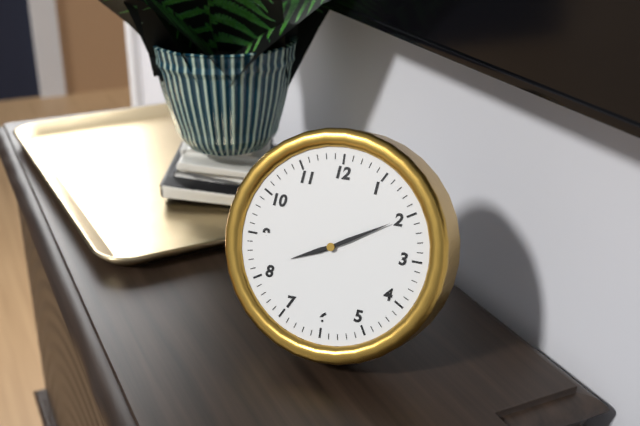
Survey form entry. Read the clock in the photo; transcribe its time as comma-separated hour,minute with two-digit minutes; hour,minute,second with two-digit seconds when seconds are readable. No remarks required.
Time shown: 8,10
